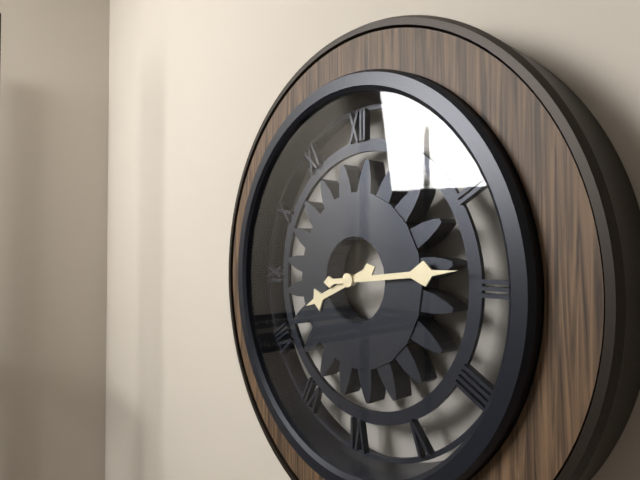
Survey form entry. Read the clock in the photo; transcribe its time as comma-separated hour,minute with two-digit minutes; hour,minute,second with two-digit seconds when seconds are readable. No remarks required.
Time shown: 8,14
